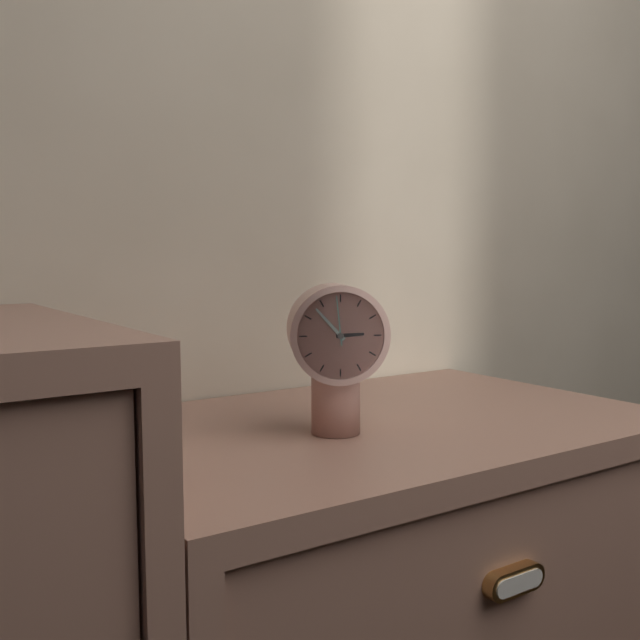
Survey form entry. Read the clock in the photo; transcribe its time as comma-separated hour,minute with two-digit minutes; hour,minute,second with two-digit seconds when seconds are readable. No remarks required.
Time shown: 2,53,59
